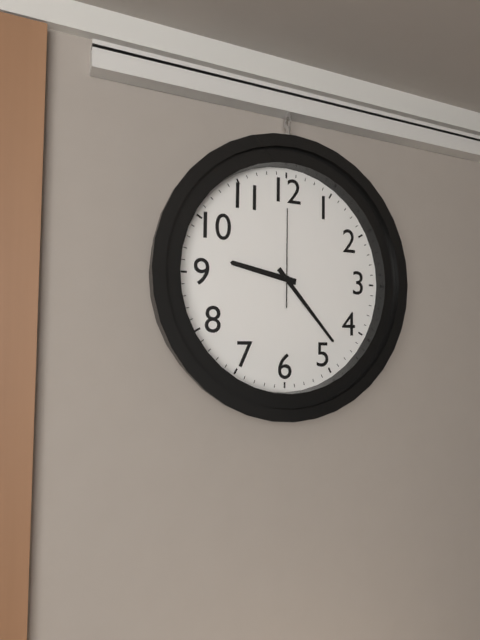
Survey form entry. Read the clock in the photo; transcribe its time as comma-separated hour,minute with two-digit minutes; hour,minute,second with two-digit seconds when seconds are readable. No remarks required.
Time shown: 9,23,00
